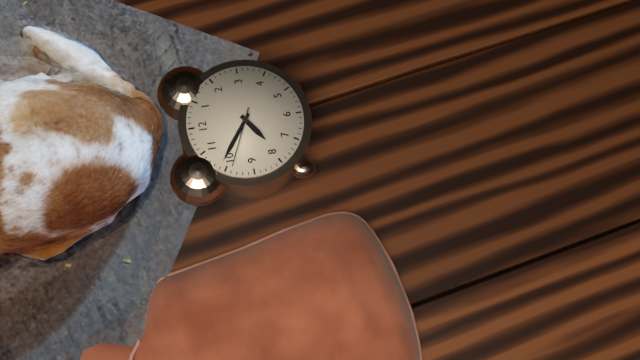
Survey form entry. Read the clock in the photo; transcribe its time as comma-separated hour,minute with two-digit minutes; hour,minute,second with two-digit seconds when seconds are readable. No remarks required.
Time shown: 7,51,49
